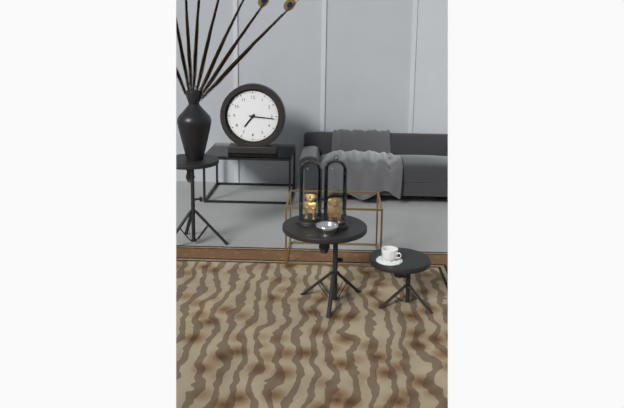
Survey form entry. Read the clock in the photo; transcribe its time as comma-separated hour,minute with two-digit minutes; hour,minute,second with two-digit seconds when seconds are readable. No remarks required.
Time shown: 7,16
